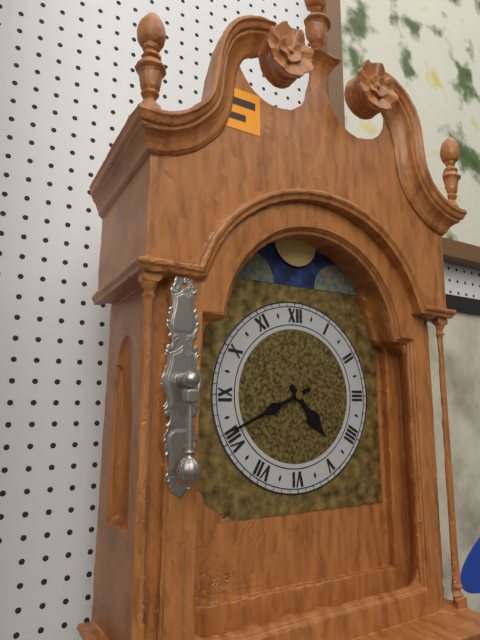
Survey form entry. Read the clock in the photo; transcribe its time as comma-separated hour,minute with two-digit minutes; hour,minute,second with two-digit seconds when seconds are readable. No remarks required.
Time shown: 4,41
